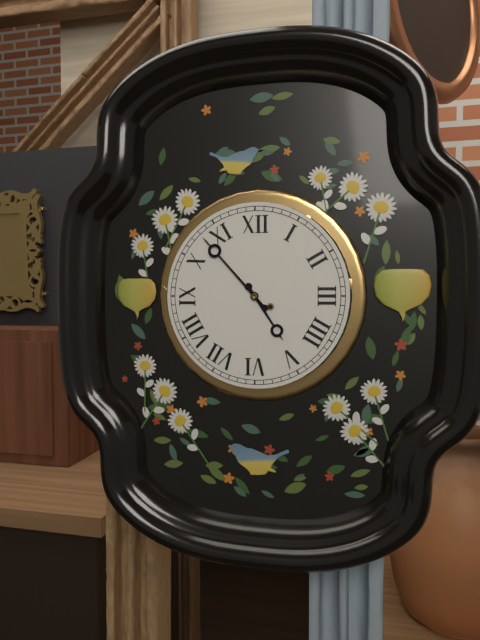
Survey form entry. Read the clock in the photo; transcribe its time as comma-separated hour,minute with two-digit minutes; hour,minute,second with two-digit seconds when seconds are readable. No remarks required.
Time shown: 4,53
